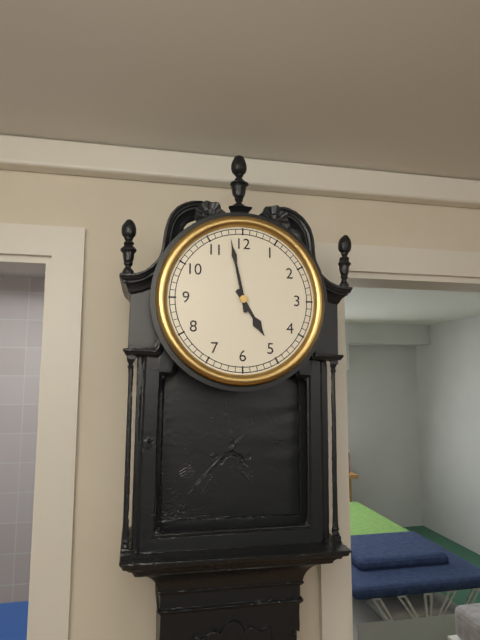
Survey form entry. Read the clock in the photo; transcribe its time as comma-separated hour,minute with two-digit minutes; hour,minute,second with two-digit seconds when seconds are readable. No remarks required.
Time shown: 4,58
